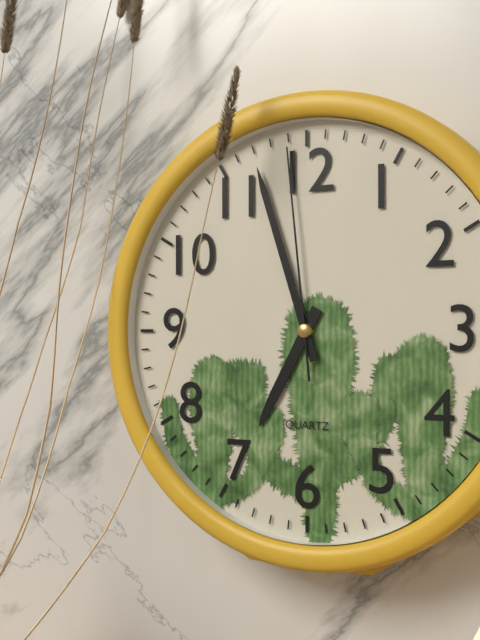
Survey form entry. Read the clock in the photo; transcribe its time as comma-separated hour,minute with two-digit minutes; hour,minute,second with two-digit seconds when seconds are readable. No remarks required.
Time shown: 6,57,59
